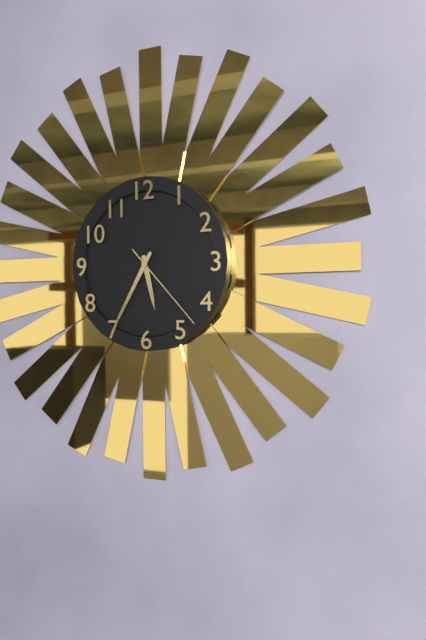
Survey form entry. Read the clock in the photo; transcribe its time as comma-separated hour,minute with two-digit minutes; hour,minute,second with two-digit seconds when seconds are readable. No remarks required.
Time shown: 5,35,23
